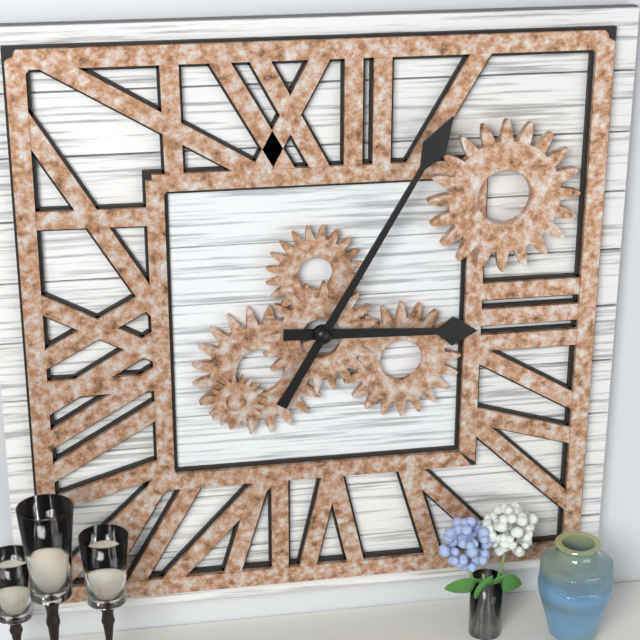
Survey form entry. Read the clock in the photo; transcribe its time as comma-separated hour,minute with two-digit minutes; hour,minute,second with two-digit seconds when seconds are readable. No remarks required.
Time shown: 3,05
